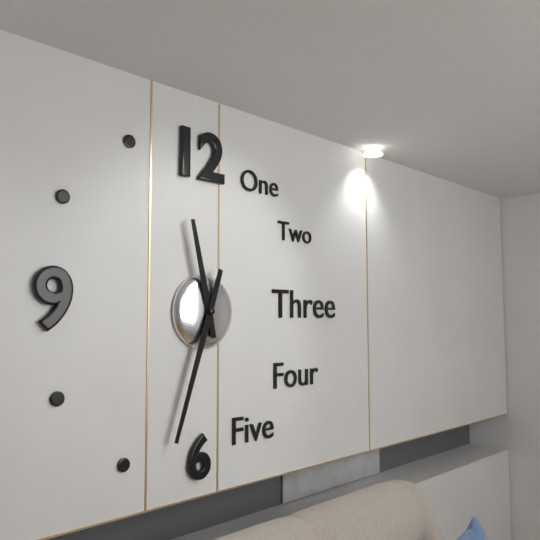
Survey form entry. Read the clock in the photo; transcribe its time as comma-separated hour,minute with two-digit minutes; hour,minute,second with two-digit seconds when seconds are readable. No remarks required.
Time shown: 11,33
